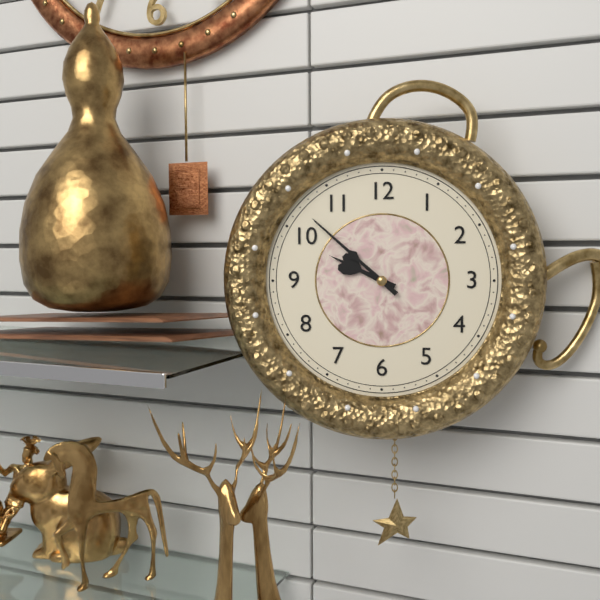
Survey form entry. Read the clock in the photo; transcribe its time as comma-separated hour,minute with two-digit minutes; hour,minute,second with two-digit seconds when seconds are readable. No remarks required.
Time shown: 9,52
